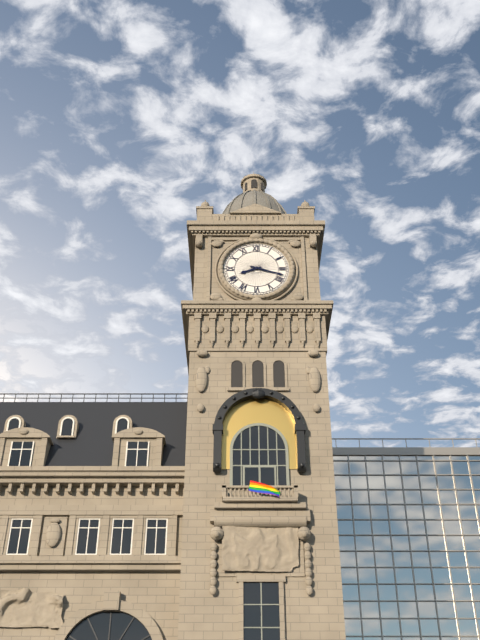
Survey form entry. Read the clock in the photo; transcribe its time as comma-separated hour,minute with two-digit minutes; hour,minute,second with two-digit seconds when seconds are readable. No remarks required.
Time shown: 8,18
